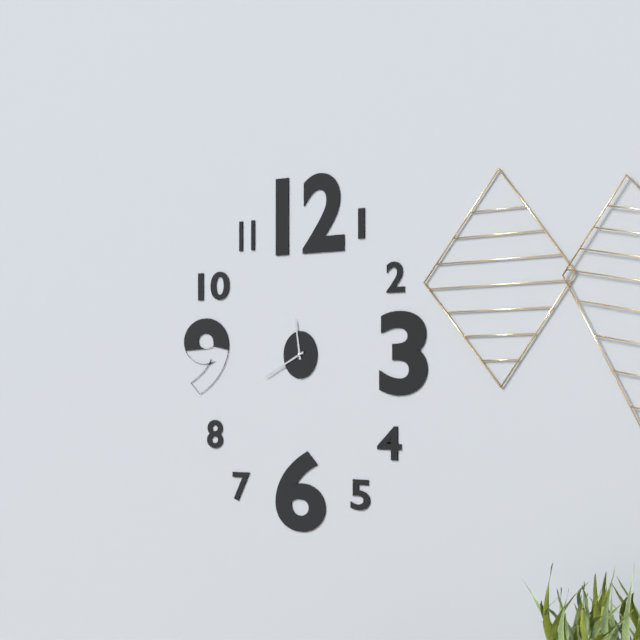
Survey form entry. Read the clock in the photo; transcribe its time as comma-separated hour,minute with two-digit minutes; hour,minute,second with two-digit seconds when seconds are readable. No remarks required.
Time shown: 11,41
